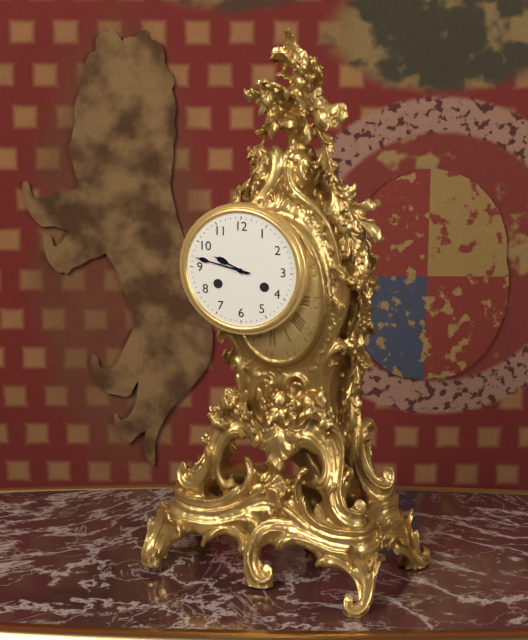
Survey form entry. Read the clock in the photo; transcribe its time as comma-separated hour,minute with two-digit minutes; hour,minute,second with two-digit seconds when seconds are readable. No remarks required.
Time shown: 9,47
